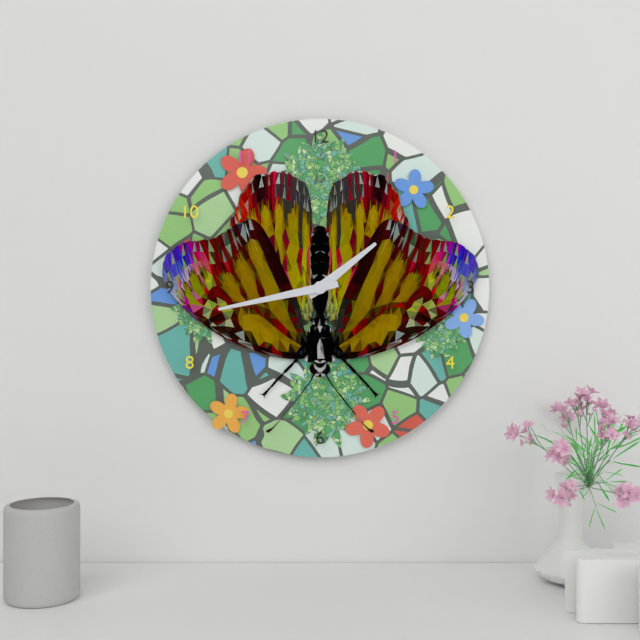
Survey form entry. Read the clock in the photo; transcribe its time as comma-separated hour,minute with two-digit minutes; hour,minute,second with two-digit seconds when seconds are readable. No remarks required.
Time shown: 1,43
